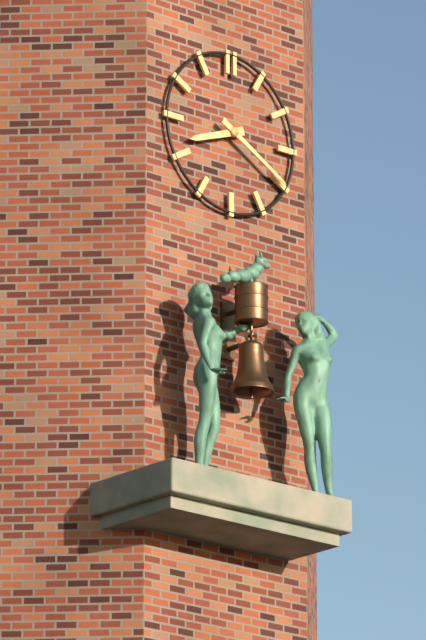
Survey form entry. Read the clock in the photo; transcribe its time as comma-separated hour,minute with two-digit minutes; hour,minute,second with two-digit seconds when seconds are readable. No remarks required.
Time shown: 8,20
